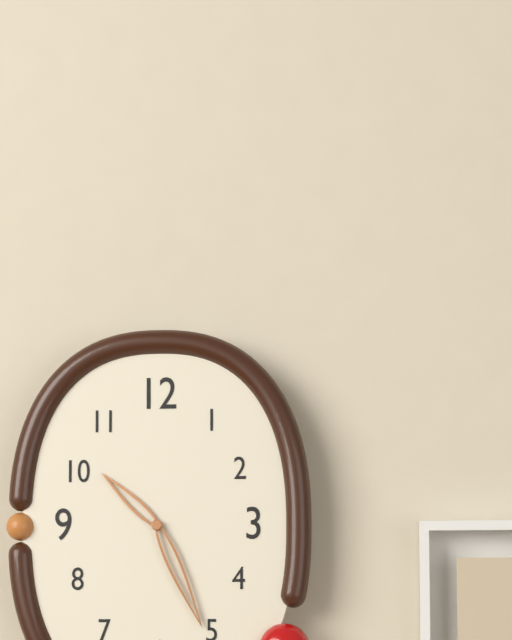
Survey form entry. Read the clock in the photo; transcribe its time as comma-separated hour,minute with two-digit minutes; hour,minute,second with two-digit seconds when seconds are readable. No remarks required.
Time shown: 10,26
